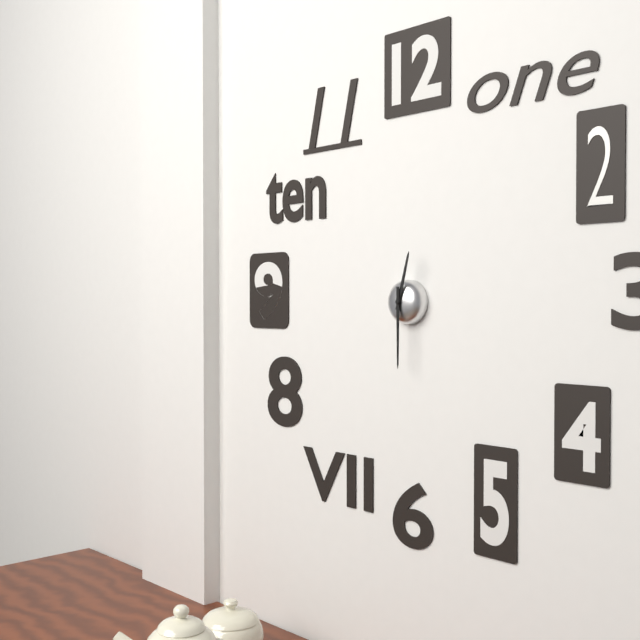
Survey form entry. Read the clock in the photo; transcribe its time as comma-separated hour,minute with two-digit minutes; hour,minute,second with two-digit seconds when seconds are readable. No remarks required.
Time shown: 12,30
